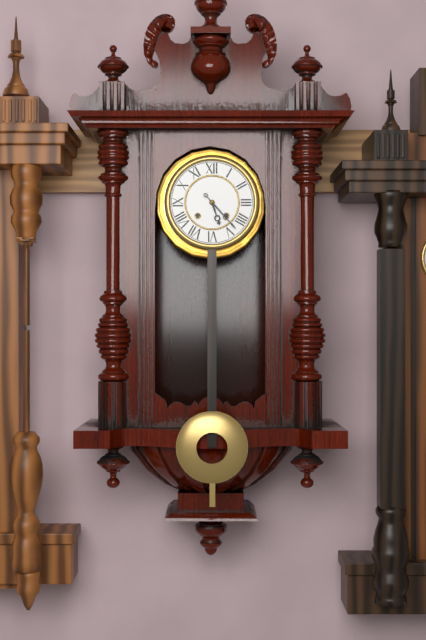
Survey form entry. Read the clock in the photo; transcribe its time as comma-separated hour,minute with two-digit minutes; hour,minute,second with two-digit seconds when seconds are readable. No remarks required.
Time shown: 5,23
